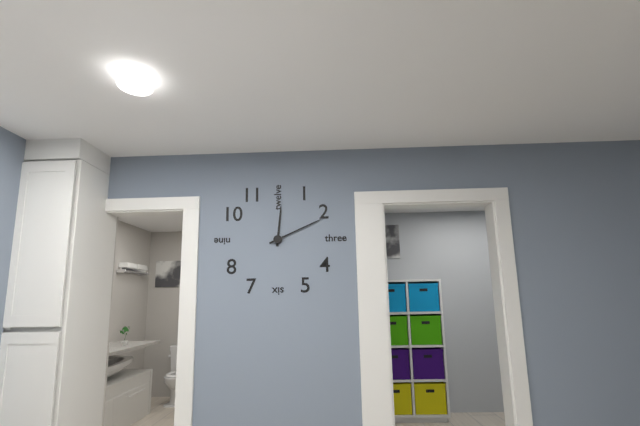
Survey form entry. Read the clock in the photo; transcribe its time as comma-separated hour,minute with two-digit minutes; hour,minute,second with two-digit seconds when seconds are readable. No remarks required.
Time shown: 12,11
